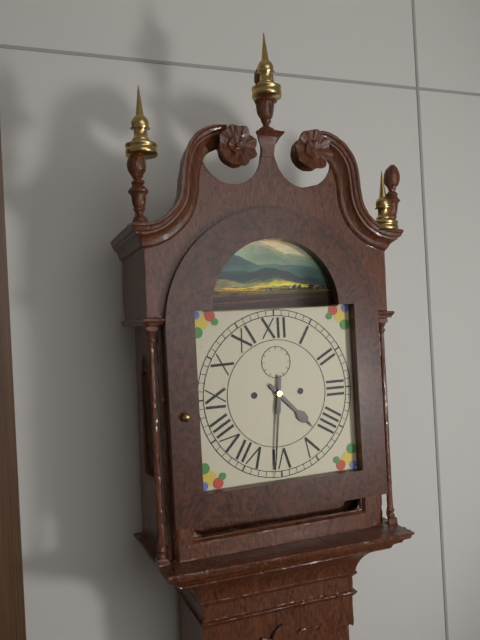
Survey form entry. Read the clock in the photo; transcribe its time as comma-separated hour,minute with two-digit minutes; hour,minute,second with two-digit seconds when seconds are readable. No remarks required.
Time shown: 4,31
